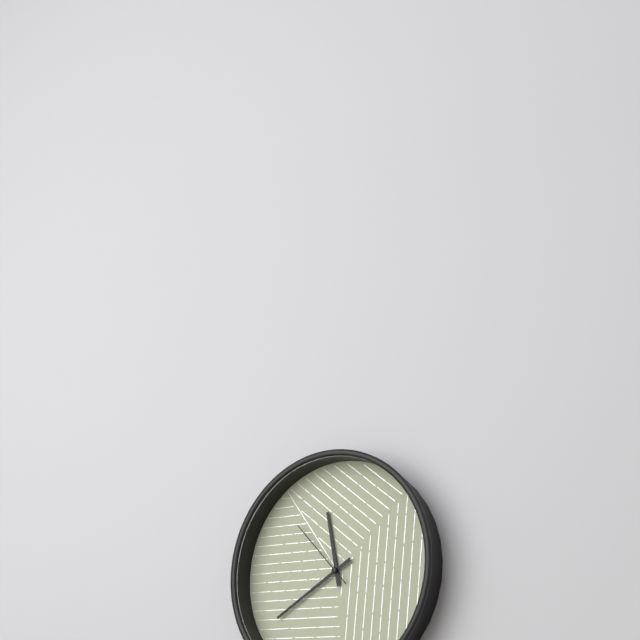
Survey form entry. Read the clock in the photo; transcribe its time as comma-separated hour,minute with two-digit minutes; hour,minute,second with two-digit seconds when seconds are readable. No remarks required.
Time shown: 11,40,53
